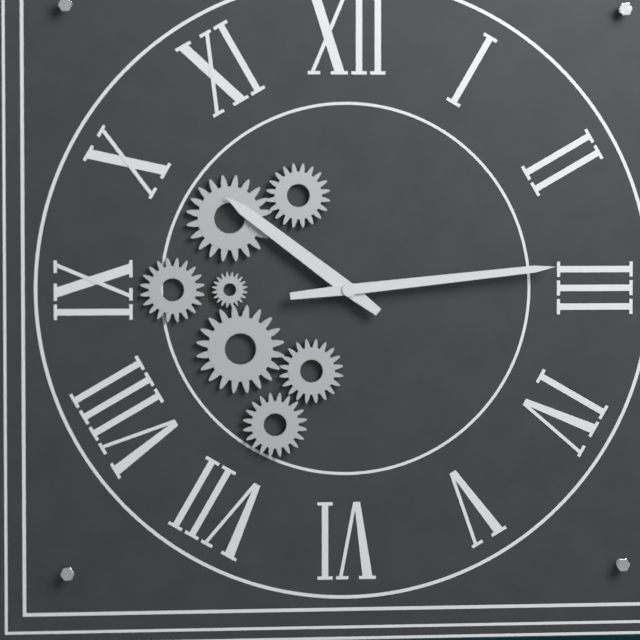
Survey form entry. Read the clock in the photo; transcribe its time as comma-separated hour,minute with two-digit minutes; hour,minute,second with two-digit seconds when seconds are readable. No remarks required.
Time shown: 10,14
